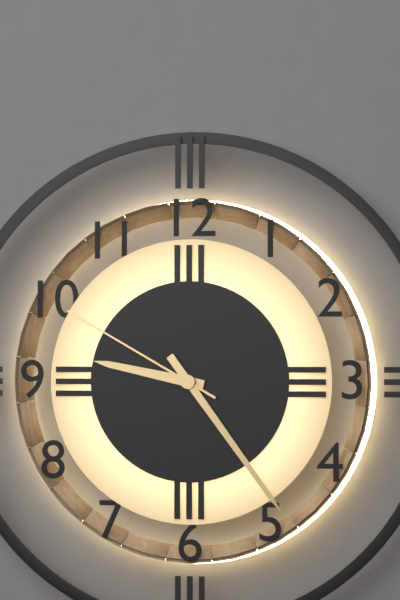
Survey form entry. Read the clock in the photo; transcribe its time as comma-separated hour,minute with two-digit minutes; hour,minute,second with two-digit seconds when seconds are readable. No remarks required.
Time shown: 9,24,50
